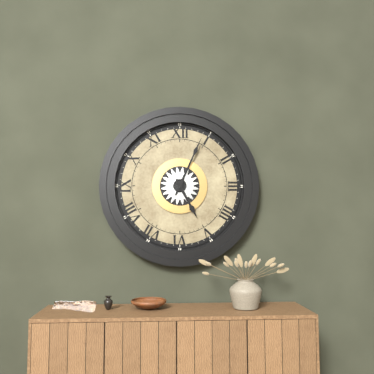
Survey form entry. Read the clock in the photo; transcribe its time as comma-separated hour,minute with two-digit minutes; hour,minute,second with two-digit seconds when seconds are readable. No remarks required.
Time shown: 5,04
